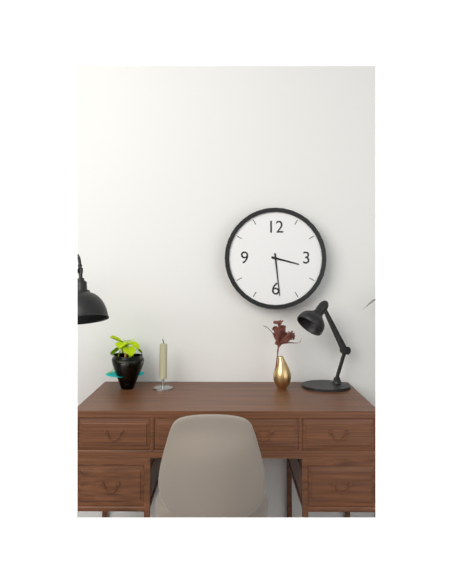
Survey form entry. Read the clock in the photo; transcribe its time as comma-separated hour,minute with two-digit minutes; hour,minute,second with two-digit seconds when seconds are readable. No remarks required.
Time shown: 3,29
